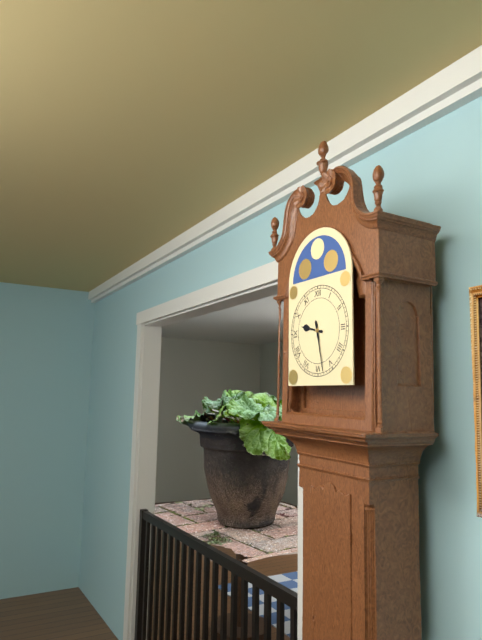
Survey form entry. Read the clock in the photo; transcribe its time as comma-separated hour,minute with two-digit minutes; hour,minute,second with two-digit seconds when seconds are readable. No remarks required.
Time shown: 9,28
